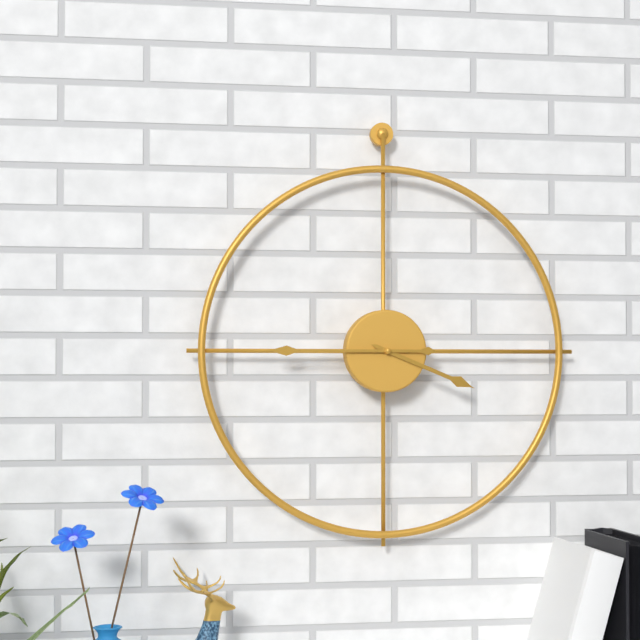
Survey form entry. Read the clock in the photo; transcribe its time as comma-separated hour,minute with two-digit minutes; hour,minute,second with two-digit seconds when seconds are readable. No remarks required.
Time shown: 3,45
